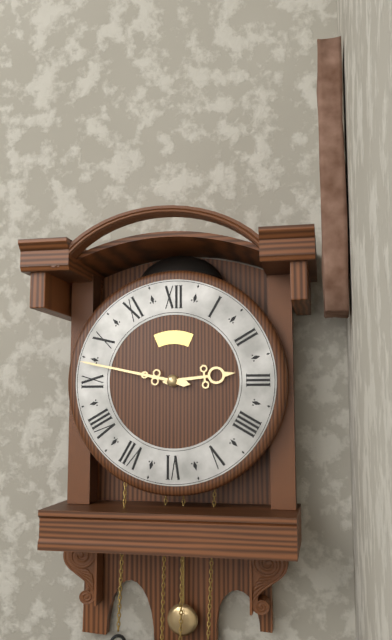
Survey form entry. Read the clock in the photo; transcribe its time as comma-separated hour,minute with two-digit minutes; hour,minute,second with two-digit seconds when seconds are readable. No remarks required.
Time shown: 2,47
